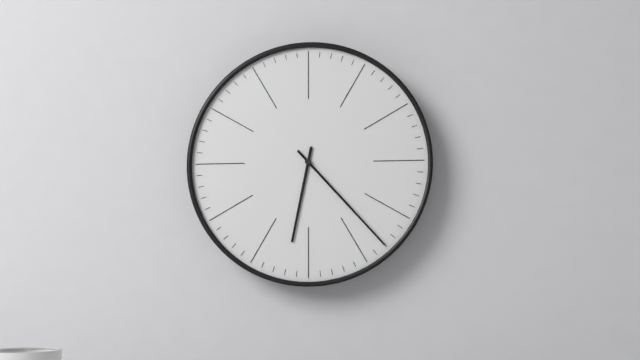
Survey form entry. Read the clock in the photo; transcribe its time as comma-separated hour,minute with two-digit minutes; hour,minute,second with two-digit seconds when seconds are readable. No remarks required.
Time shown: 6,23
